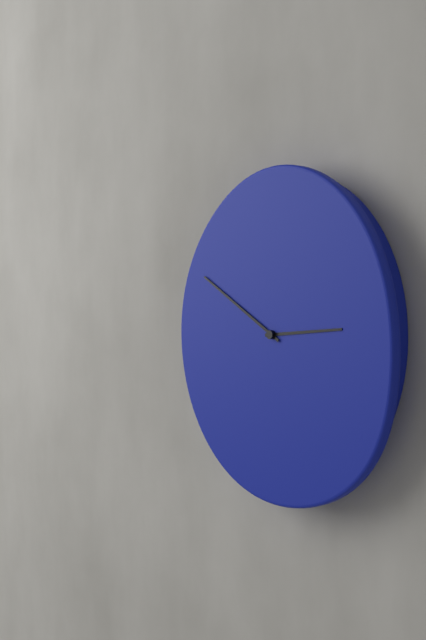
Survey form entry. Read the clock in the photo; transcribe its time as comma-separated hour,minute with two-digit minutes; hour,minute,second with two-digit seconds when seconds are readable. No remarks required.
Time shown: 2,50
